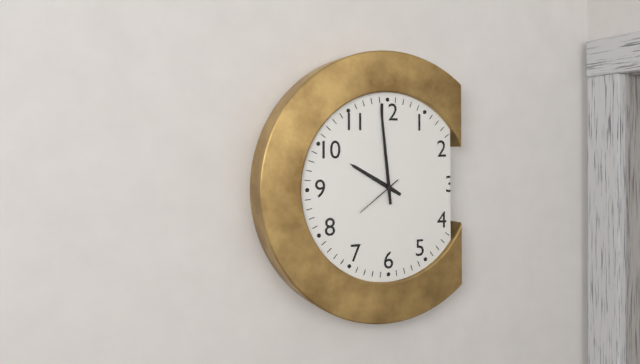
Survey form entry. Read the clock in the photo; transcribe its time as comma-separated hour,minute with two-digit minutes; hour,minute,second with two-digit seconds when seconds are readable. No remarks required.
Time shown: 9,59,39
